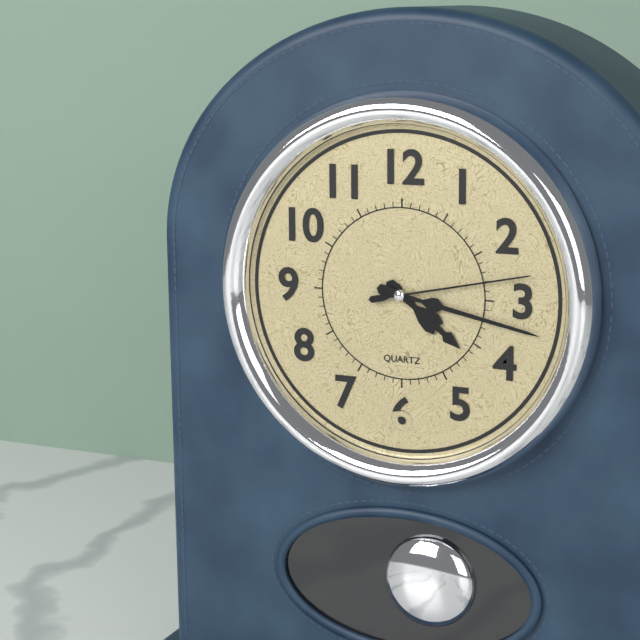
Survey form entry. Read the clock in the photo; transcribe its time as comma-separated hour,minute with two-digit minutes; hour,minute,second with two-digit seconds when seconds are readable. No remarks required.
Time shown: 4,17,13
